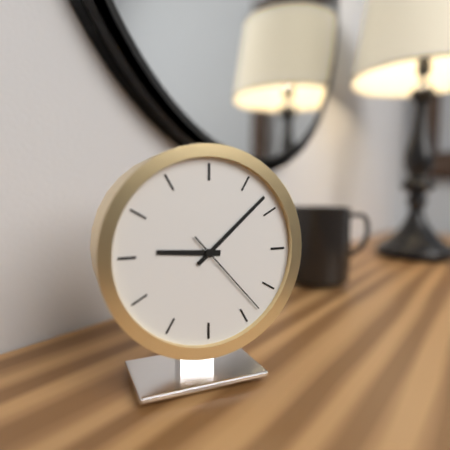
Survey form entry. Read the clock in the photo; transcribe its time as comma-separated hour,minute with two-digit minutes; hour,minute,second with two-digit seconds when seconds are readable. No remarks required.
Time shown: 9,08,23
